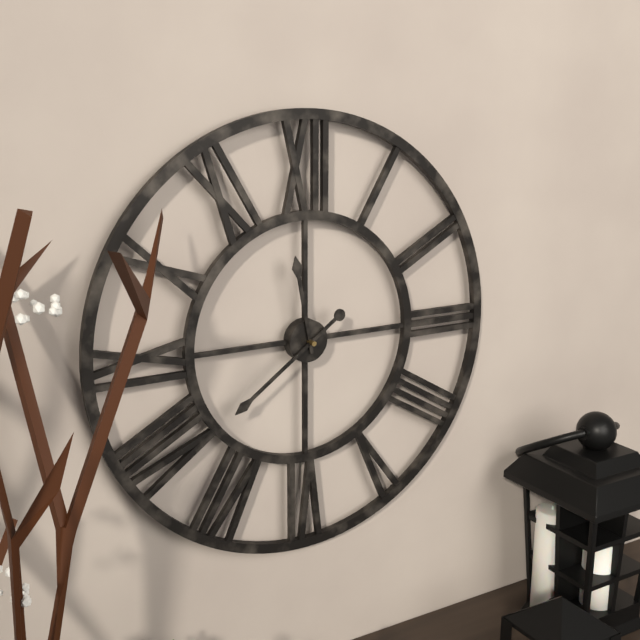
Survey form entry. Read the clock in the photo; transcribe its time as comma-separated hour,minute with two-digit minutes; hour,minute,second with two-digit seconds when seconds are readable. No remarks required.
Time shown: 11,39
